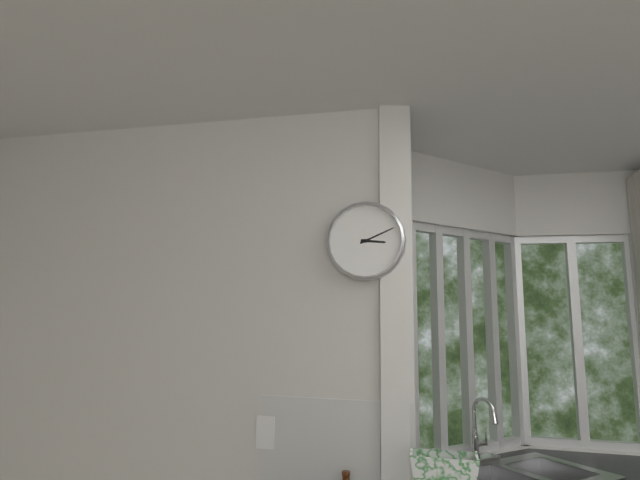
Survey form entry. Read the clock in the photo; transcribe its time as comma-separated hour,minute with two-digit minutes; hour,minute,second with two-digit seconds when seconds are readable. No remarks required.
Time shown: 3,11
